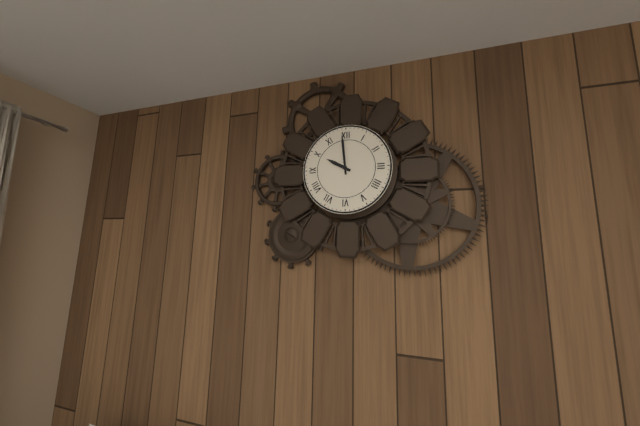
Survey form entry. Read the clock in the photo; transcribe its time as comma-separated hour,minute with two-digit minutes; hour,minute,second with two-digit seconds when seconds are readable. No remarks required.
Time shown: 9,59
